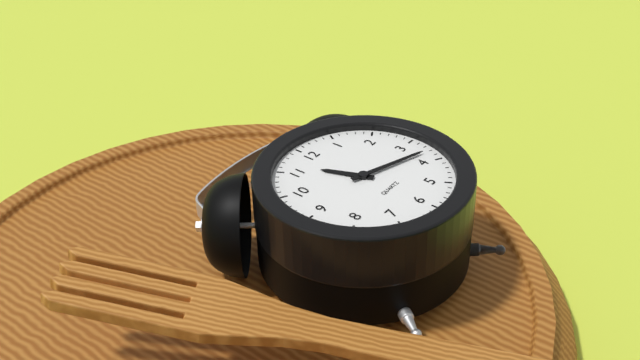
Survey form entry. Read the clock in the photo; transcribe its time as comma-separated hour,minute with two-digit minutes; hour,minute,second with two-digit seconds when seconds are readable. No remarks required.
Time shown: 11,18
